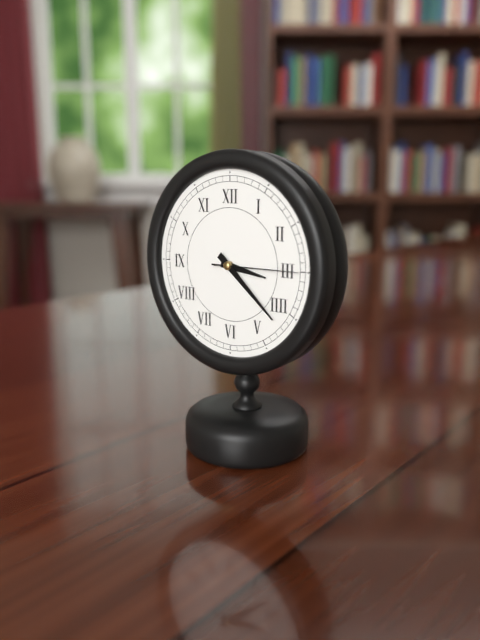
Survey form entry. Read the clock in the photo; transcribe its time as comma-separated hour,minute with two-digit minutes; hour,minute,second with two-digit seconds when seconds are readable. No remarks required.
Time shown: 3,22,15
